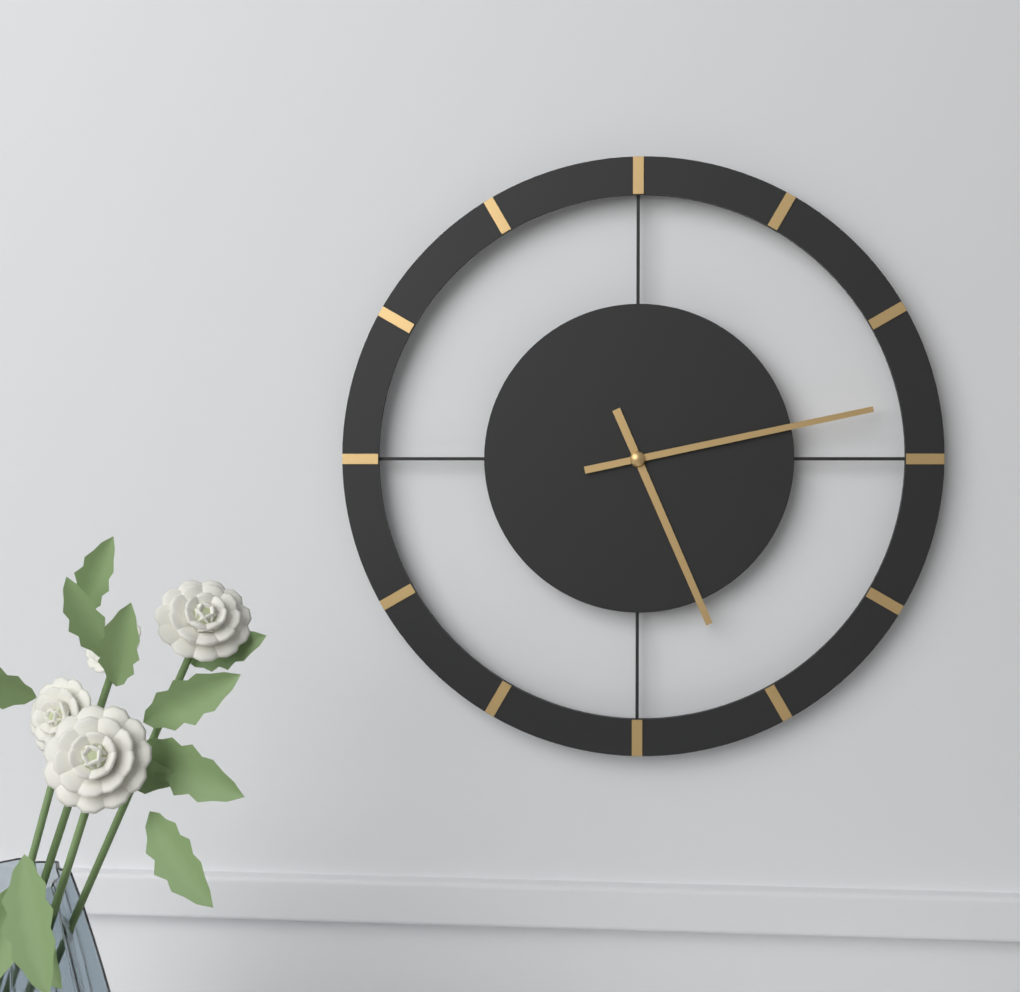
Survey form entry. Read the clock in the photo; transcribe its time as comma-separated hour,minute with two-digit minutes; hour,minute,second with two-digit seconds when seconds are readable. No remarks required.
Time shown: 5,13
